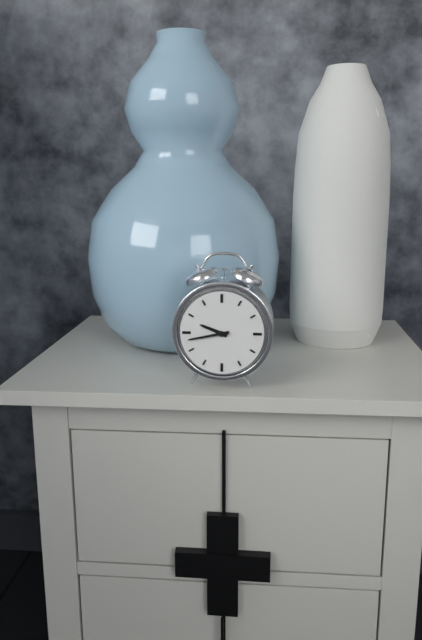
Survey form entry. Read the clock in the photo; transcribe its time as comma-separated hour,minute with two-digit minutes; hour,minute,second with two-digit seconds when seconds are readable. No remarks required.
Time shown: 9,43
